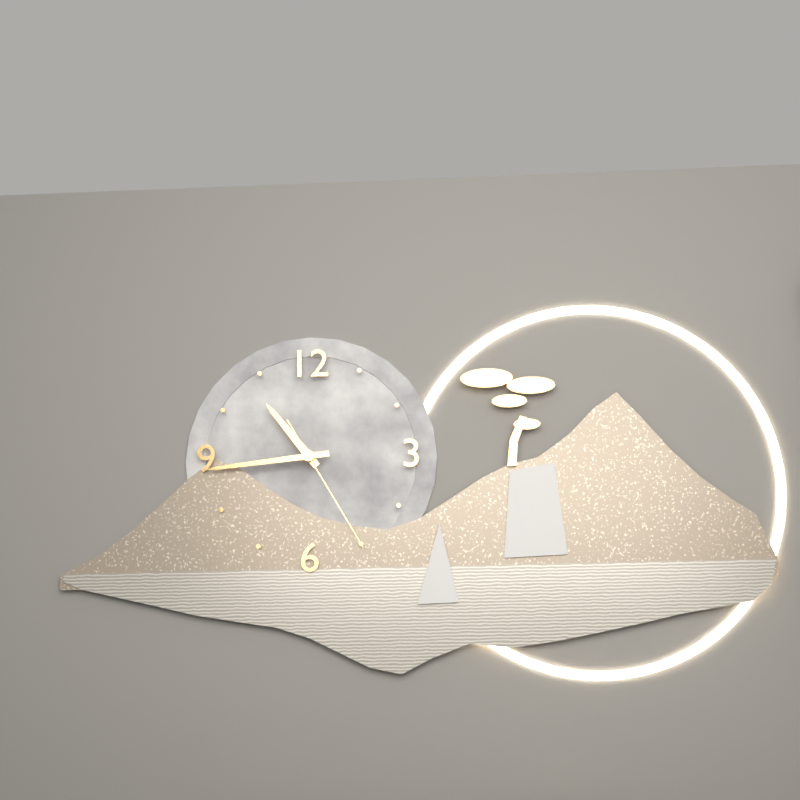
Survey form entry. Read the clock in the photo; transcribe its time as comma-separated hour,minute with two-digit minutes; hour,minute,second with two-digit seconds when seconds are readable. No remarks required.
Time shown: 10,44,25
